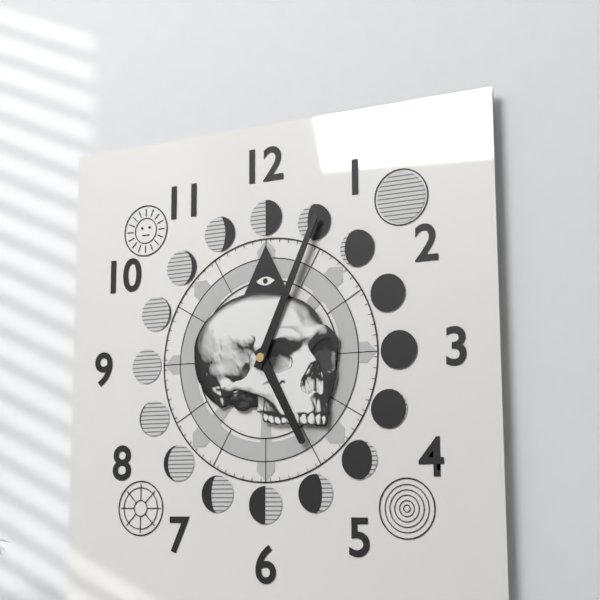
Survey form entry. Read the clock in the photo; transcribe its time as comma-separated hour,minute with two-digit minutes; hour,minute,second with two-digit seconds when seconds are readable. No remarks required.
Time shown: 5,04
